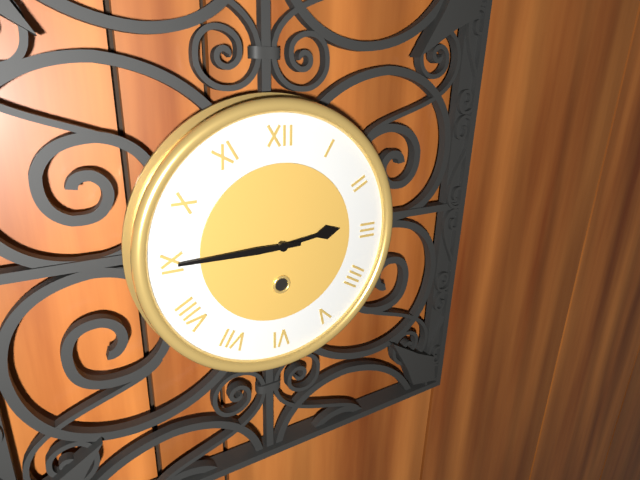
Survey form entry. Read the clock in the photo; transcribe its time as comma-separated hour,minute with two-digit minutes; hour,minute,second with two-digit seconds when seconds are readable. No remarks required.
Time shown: 2,45
